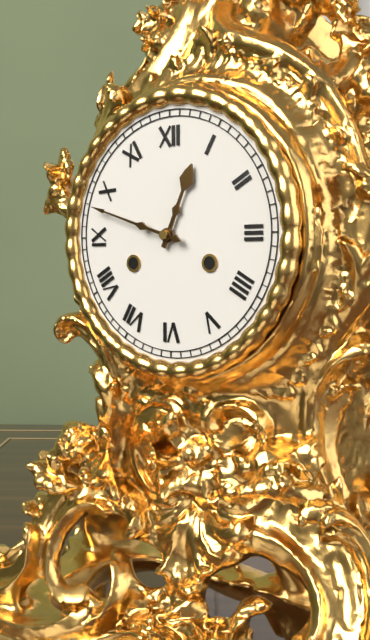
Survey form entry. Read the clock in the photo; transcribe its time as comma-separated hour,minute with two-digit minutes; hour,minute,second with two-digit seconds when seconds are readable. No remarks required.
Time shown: 12,48
